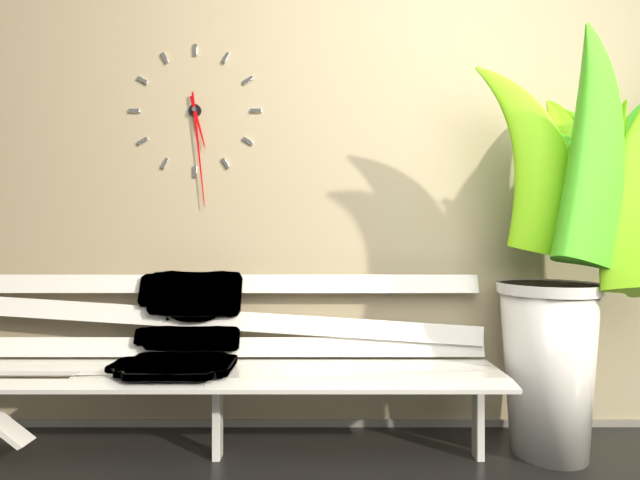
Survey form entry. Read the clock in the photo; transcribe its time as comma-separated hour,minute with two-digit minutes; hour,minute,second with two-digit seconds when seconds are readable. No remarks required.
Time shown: 5,29
